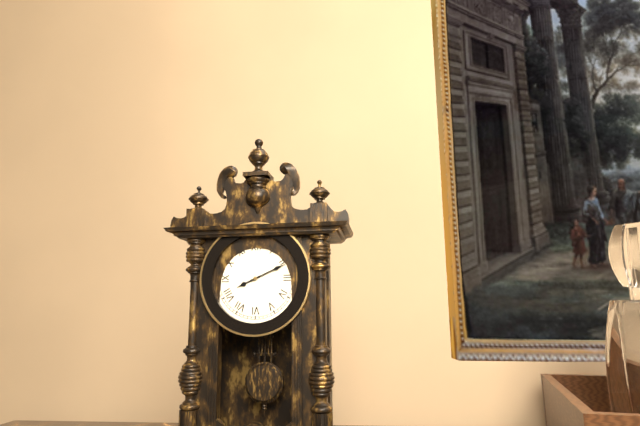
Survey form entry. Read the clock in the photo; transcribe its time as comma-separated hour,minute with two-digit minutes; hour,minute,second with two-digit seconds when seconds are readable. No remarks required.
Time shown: 8,11
